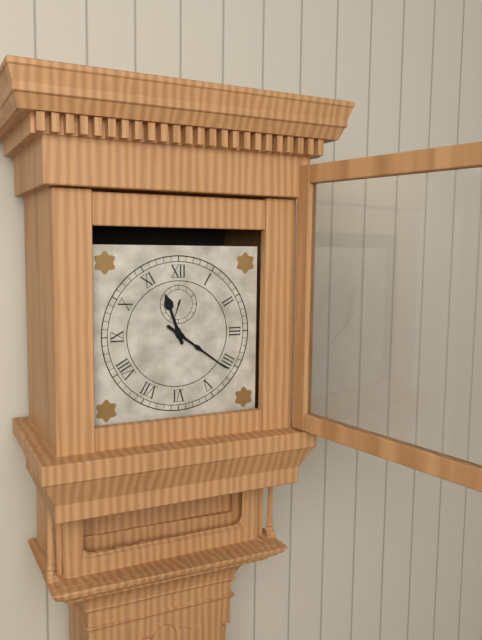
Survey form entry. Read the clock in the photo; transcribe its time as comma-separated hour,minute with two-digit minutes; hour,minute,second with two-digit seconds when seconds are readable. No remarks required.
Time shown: 11,21
